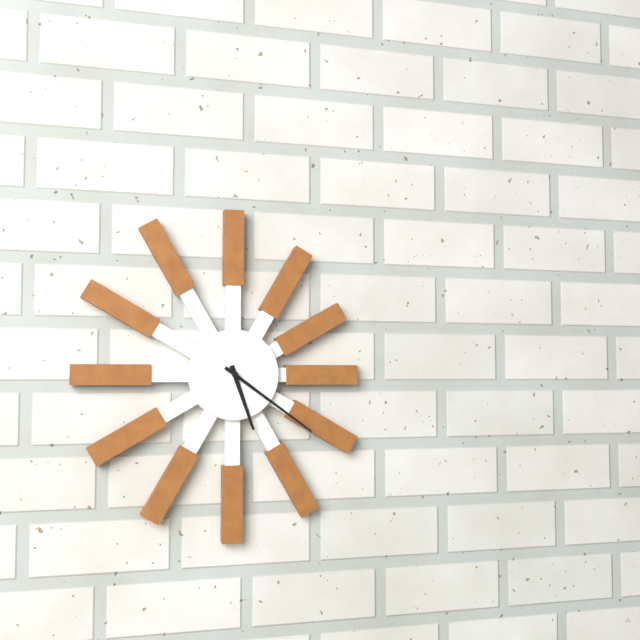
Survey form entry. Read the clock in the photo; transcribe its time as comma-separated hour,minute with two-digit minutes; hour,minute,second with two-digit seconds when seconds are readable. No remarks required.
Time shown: 5,21
